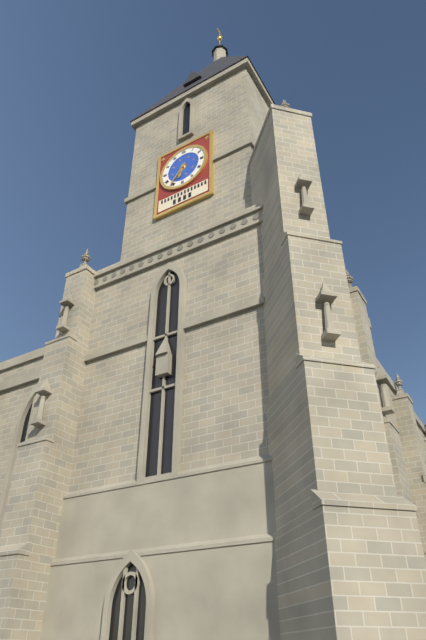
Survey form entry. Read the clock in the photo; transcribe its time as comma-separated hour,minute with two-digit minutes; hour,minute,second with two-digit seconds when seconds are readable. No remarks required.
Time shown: 6,36
